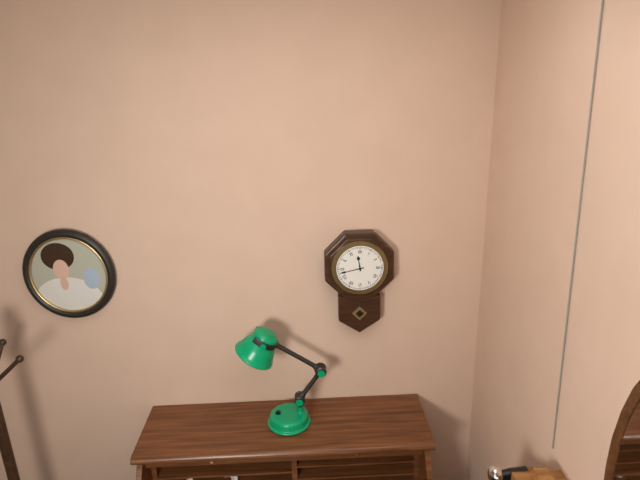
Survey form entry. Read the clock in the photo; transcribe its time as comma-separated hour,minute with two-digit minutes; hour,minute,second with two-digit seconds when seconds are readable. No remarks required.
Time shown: 11,43
